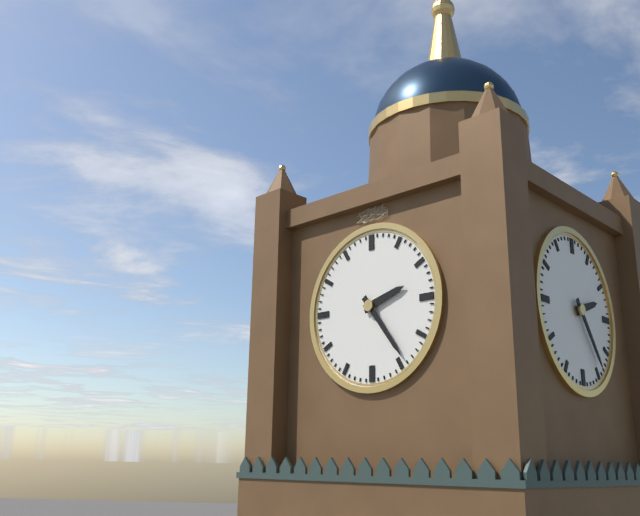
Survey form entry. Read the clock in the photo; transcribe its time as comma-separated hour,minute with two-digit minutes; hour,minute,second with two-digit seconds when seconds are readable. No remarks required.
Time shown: 2,24
